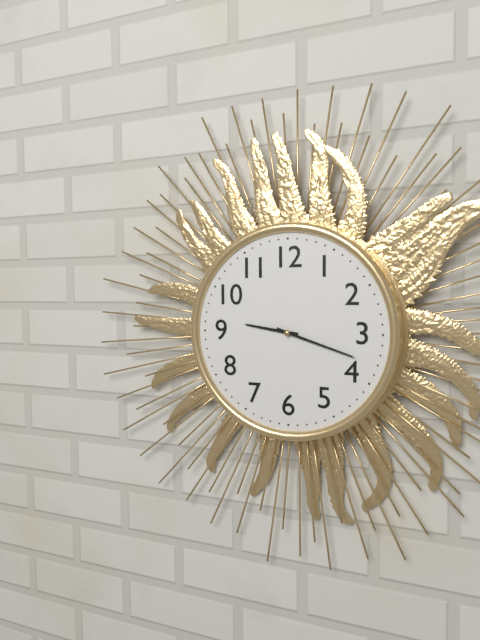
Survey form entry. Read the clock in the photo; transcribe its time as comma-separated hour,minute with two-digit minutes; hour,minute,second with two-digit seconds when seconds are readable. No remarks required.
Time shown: 9,18
